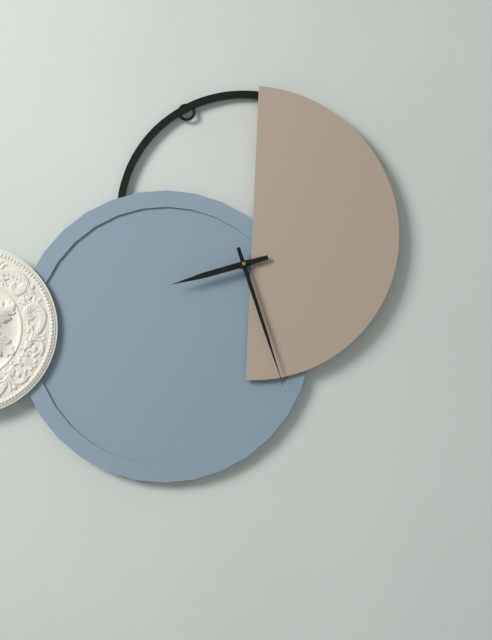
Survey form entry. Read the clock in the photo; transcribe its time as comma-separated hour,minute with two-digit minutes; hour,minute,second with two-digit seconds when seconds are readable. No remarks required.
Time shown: 8,27
